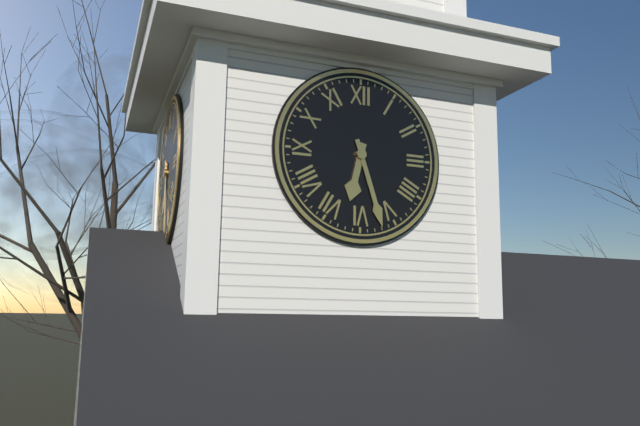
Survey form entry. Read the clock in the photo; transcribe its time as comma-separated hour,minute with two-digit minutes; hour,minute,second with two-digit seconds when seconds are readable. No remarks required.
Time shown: 6,27
